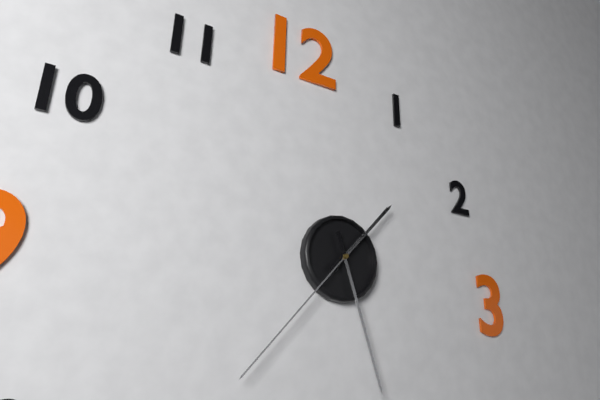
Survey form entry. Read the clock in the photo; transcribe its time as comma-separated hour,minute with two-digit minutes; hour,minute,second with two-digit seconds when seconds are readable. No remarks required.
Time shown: 1,27,37
